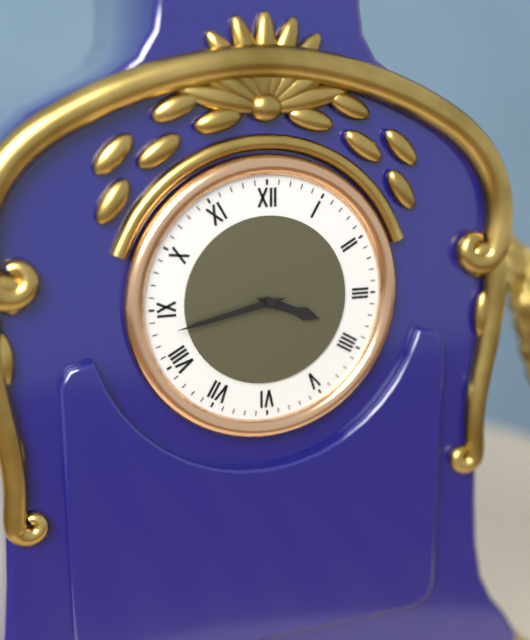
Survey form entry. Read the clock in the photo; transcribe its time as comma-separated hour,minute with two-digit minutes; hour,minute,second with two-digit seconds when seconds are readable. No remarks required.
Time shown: 3,43
